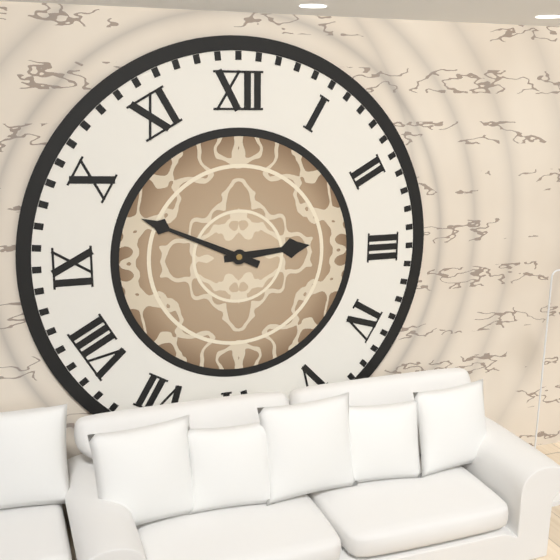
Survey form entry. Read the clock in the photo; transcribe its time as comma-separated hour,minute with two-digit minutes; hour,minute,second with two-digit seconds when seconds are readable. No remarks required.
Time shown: 2,49
